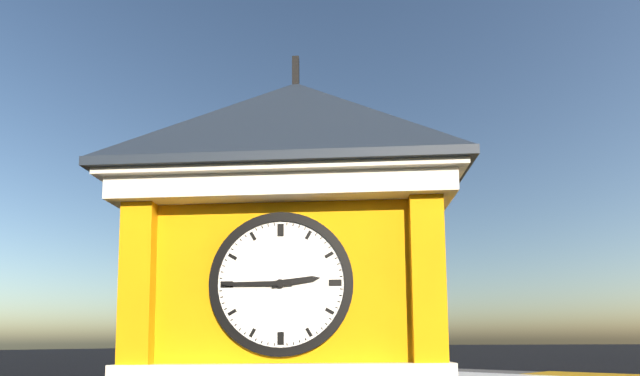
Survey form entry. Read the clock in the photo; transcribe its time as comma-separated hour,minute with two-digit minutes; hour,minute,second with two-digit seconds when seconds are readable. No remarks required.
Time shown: 2,45
